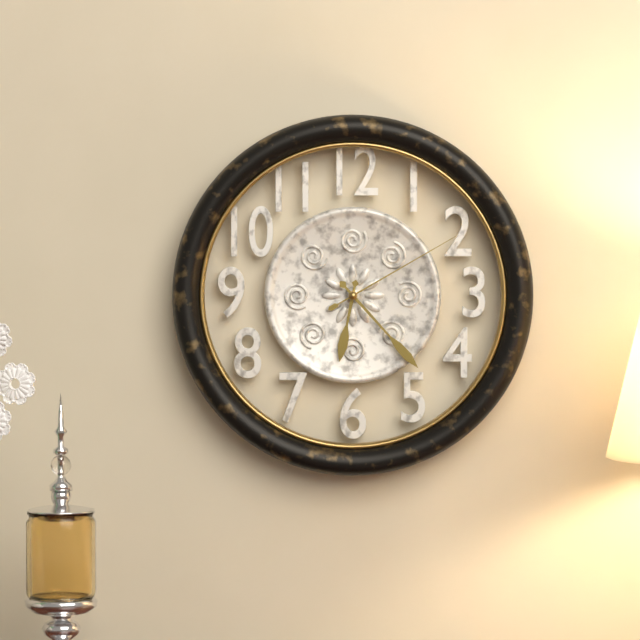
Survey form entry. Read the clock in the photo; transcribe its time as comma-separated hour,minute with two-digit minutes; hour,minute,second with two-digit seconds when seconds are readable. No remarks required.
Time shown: 6,23,10
